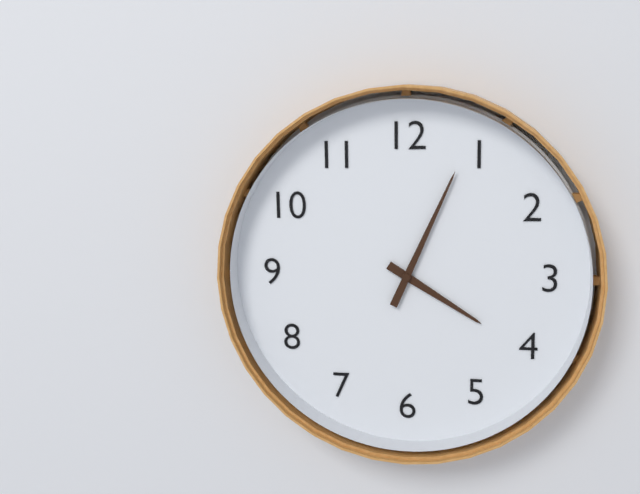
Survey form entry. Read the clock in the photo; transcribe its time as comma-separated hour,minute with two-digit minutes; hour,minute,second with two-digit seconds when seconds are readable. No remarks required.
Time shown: 4,04
